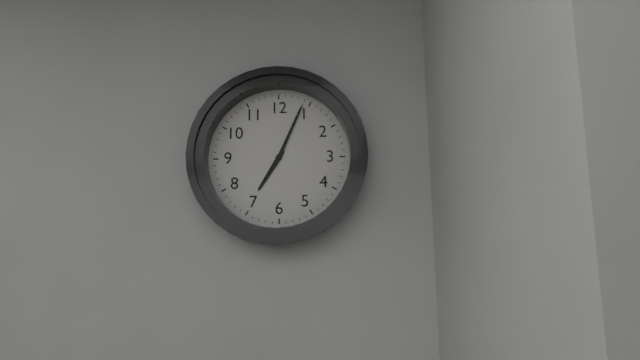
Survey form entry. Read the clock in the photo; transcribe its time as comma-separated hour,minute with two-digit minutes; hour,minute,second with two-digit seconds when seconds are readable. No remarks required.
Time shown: 7,04
